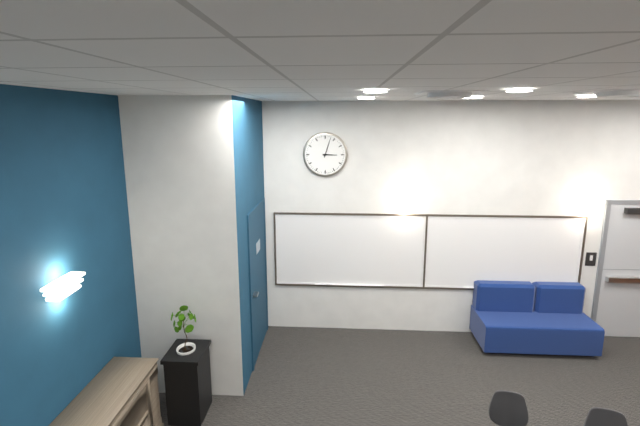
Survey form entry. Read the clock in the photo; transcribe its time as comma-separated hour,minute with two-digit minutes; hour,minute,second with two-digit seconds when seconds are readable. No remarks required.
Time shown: 3,03
